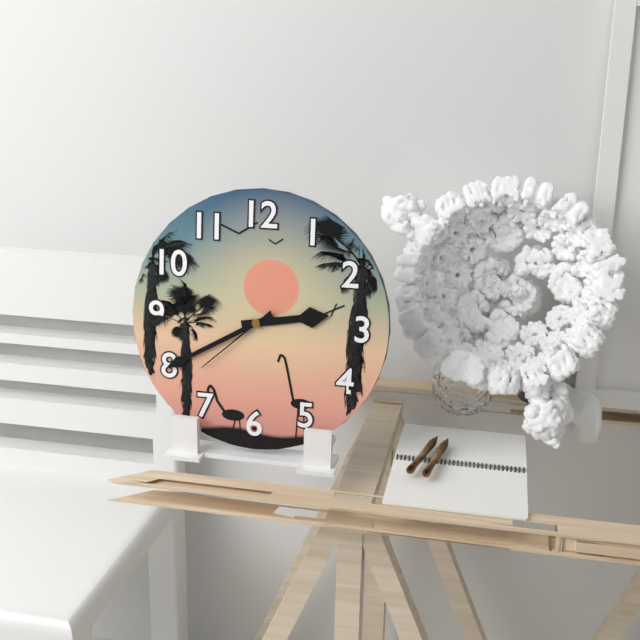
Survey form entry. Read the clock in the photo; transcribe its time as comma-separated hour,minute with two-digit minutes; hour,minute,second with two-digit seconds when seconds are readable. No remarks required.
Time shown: 2,40,38
